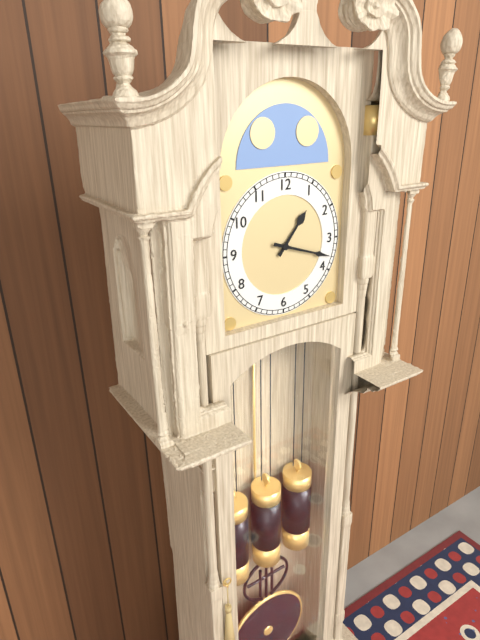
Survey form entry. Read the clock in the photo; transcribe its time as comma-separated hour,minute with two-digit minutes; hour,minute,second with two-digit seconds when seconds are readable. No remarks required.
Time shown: 1,18
